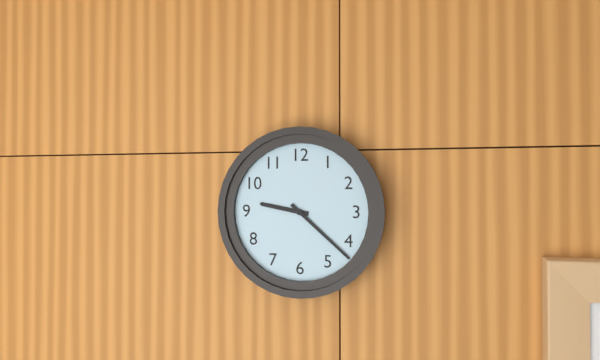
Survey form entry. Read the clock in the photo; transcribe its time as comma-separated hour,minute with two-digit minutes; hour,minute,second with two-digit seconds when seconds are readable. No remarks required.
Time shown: 9,22
